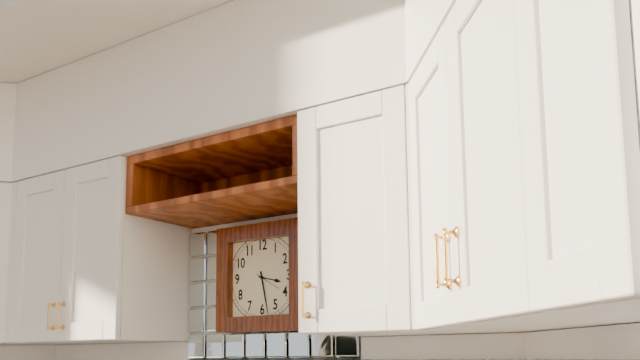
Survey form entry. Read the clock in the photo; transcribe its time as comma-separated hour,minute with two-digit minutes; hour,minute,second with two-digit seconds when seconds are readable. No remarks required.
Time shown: 3,28
